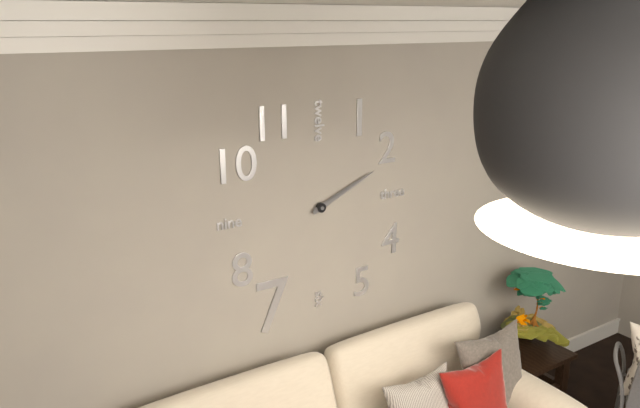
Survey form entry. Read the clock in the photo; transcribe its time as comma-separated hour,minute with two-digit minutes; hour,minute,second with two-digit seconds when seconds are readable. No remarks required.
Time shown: 2,11
